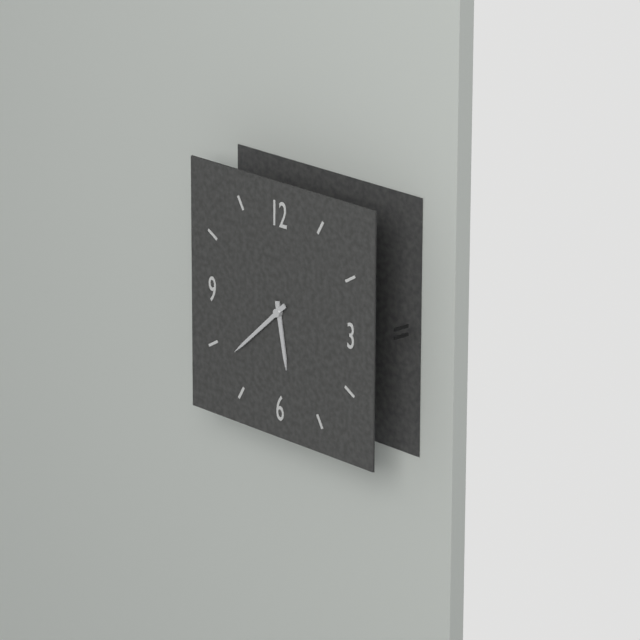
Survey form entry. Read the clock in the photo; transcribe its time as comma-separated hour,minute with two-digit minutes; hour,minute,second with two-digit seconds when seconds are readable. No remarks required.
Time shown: 5,38
